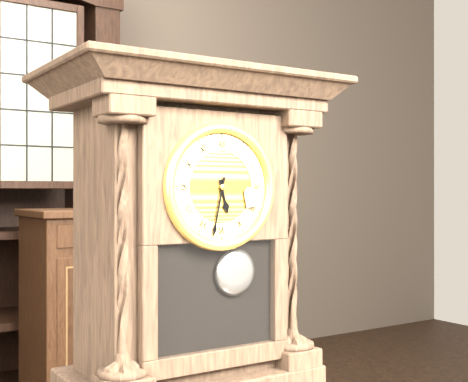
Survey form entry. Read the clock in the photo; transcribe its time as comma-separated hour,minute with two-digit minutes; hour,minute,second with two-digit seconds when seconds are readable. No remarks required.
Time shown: 5,32
